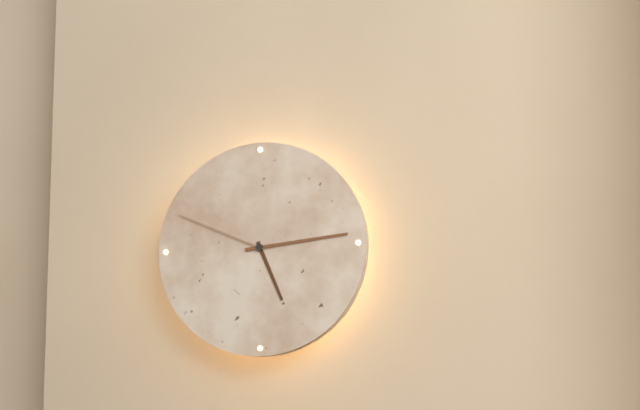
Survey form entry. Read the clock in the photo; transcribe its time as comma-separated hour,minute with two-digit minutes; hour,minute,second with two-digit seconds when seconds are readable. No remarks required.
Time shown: 5,14,49
